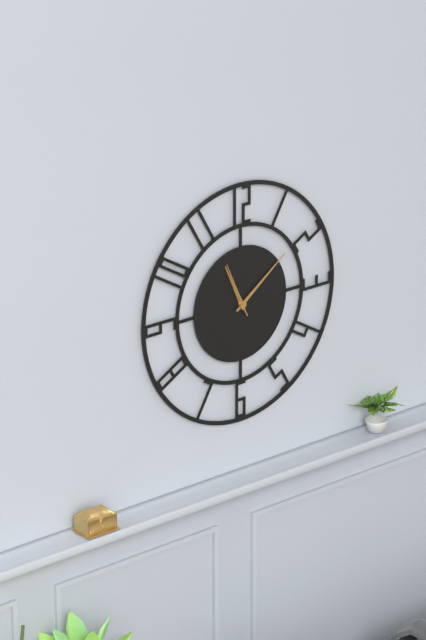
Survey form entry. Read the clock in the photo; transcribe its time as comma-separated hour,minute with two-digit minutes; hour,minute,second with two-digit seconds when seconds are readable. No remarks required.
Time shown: 11,09,56
